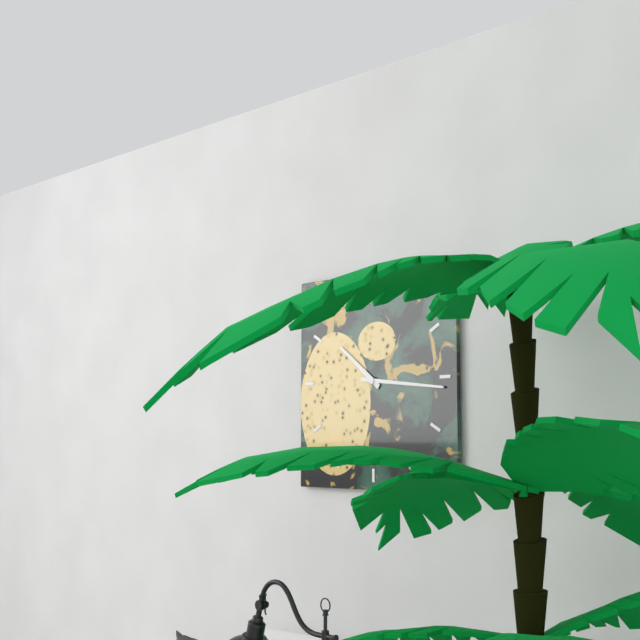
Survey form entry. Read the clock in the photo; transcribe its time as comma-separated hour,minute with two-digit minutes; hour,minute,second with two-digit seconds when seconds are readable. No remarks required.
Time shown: 10,16
